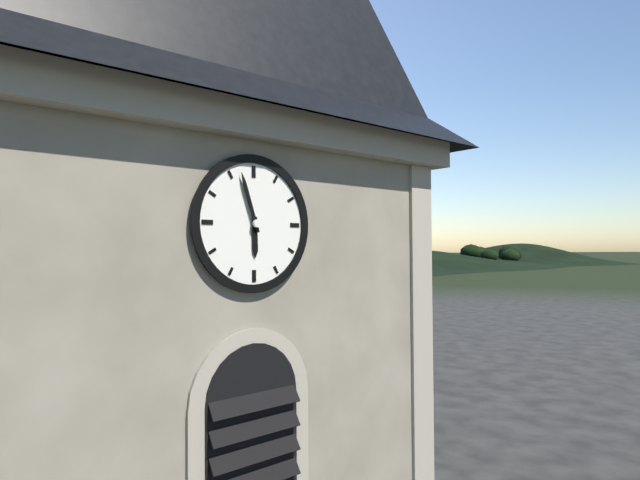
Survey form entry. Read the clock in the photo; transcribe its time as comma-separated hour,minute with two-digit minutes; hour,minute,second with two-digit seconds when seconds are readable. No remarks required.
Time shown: 5,57
